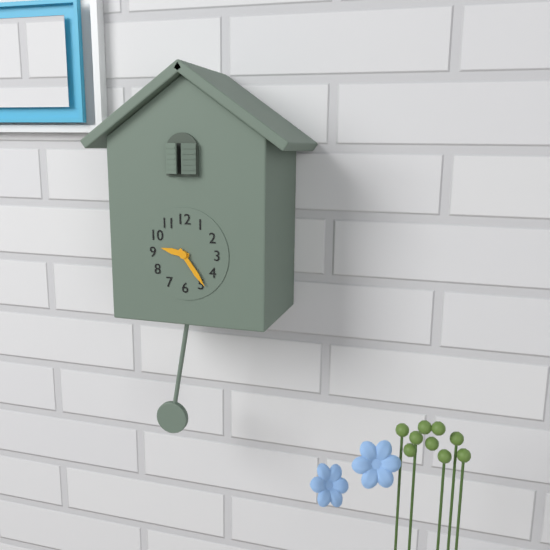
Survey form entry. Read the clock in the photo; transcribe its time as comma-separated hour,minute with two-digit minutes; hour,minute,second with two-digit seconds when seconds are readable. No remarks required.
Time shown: 9,24
